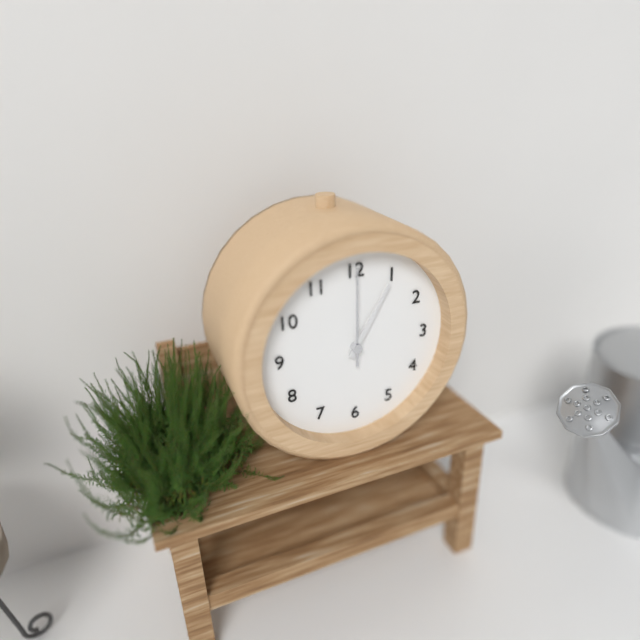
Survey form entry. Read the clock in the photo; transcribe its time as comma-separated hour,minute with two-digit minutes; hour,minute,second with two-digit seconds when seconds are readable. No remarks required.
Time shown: 1,05,00
